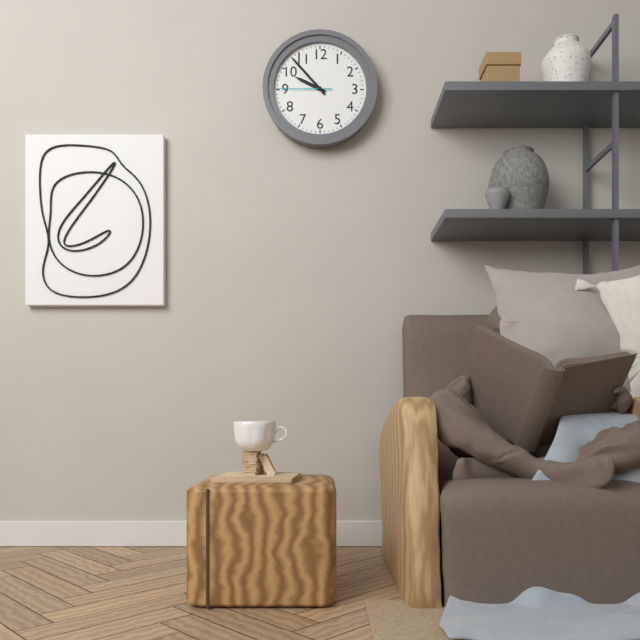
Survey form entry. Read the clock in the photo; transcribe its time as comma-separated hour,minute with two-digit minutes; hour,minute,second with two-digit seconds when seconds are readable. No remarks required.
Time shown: 9,53,45
